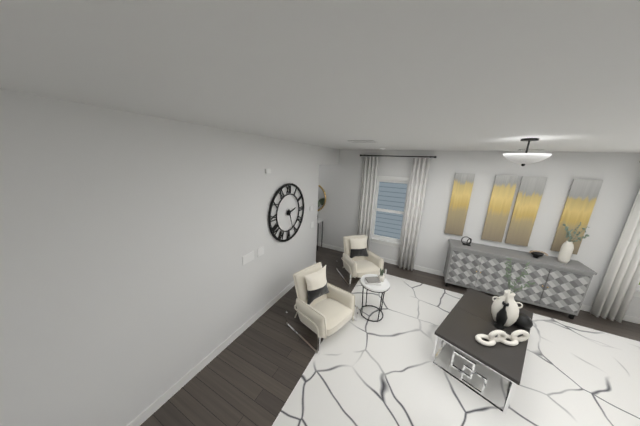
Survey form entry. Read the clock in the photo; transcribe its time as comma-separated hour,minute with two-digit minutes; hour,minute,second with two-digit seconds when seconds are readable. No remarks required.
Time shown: 2,27
